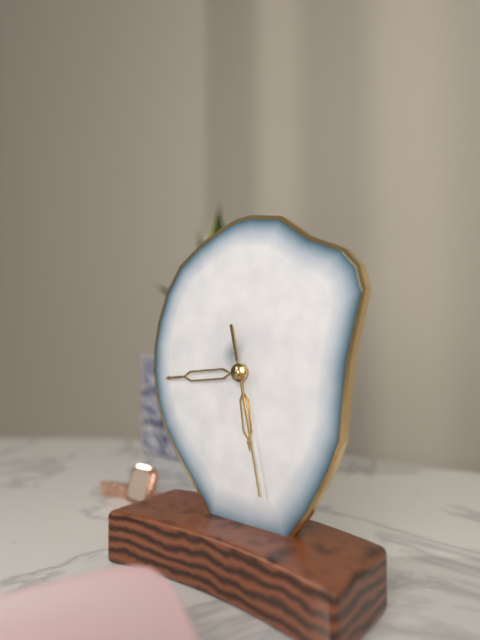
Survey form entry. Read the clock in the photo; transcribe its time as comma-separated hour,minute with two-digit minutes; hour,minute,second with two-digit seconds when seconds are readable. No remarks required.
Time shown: 5,44,28
